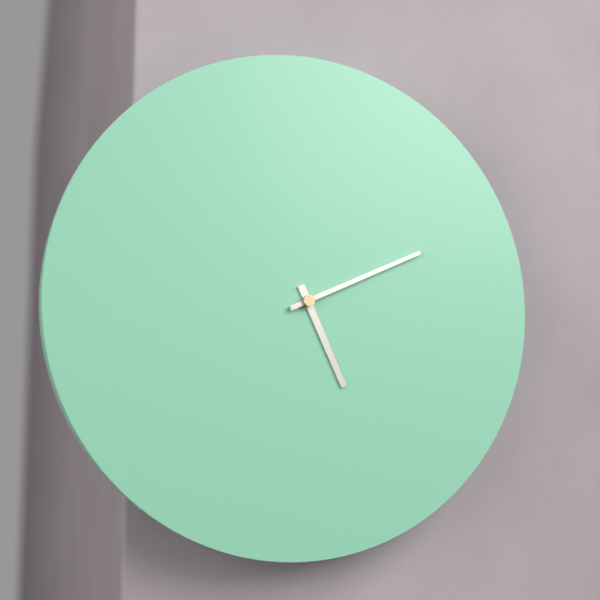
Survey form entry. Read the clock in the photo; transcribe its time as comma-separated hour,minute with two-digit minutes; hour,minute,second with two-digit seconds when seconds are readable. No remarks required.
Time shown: 5,11
